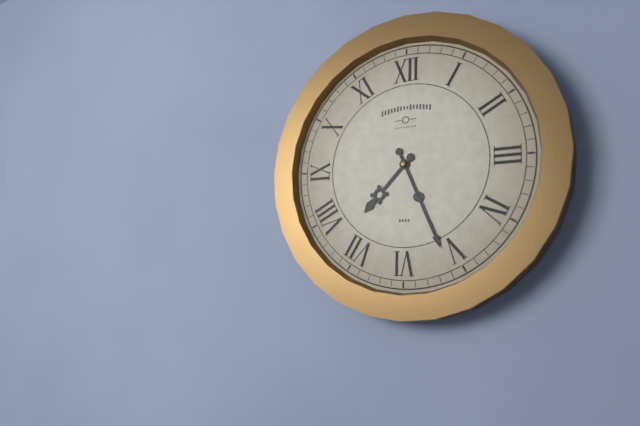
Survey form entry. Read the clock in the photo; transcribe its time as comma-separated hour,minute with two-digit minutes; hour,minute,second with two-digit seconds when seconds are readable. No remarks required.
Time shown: 7,26
